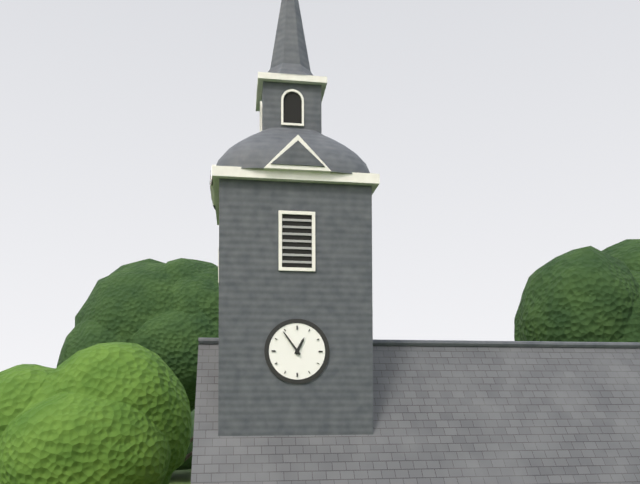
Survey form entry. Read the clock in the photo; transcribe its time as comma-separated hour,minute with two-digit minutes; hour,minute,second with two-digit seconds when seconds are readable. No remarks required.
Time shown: 12,54
